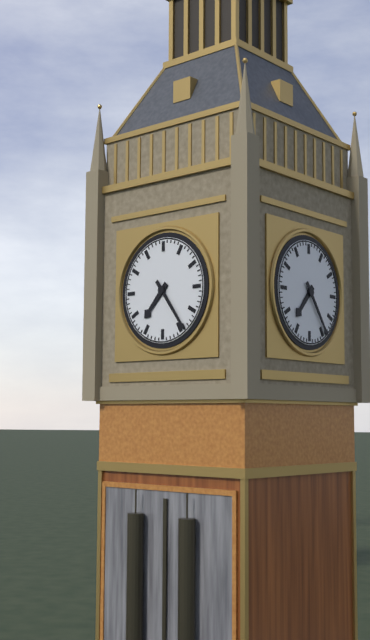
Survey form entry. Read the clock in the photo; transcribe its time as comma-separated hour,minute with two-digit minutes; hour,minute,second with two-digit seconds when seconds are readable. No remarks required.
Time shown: 7,24
